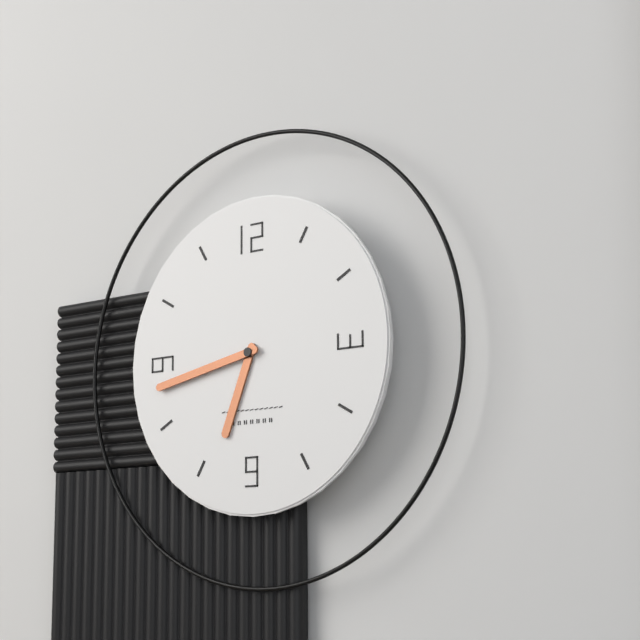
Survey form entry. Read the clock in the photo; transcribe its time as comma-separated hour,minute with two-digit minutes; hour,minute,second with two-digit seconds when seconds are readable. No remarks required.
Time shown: 6,43
